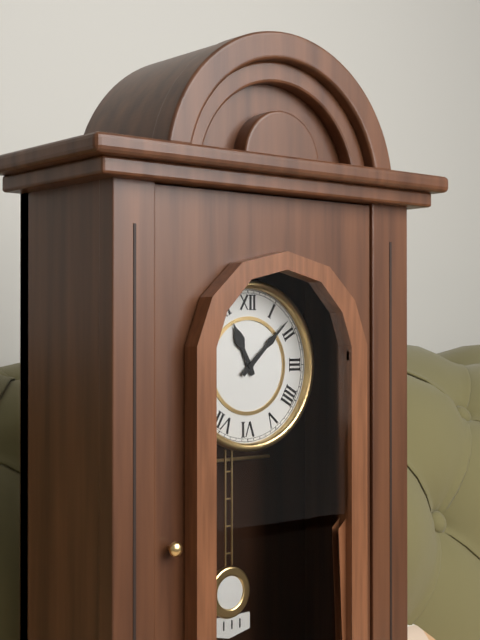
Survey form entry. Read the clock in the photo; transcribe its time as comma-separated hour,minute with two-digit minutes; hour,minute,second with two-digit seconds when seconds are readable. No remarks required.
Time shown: 11,08
